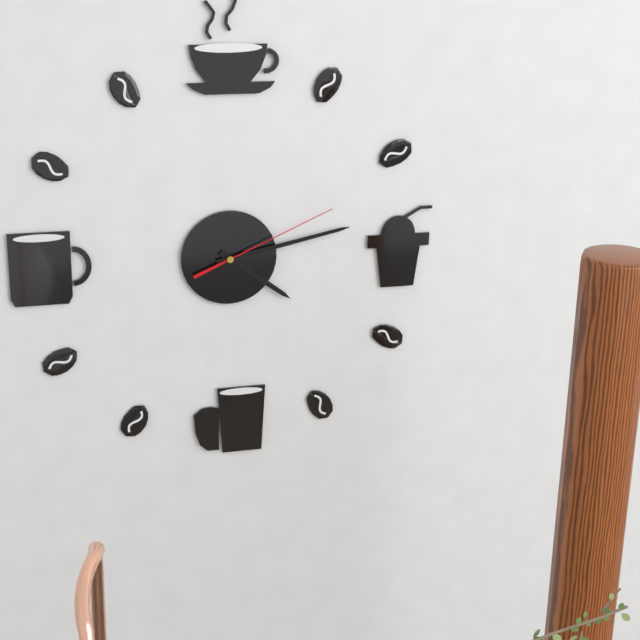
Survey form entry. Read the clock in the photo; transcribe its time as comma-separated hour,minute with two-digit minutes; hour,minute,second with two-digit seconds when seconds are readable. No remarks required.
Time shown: 4,13,11
